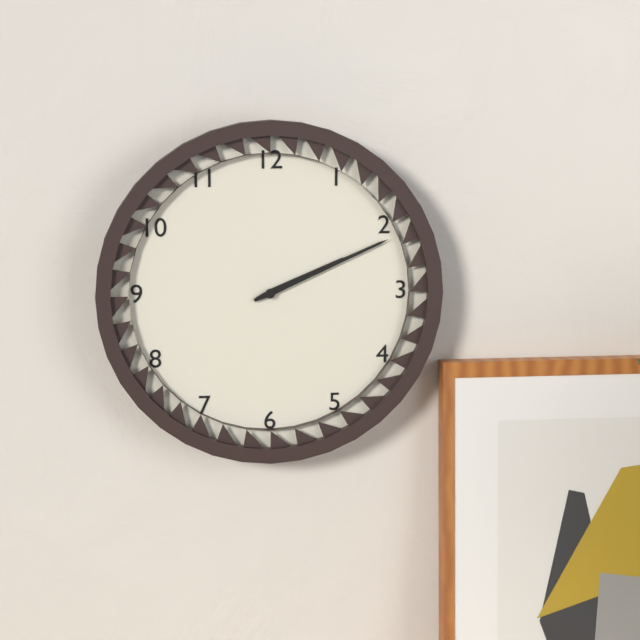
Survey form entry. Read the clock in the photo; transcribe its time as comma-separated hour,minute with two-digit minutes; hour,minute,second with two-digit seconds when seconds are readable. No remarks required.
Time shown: 2,11
